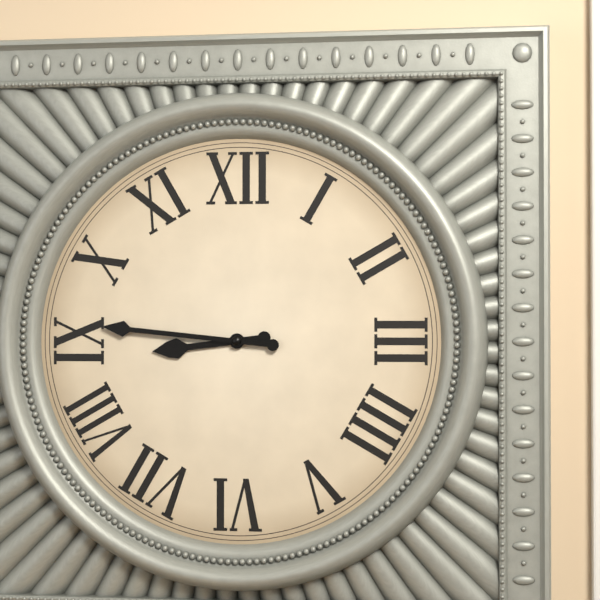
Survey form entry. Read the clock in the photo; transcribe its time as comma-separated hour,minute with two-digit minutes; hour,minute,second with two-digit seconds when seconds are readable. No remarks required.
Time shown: 8,46
